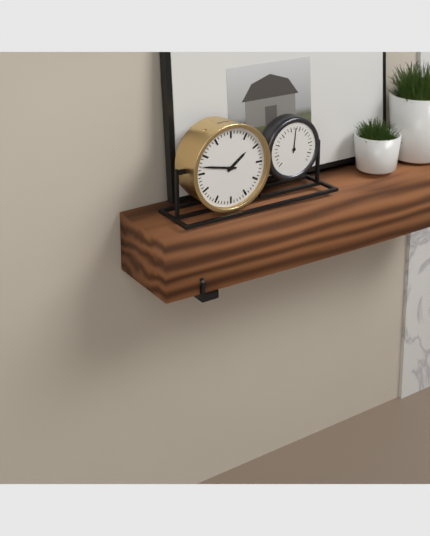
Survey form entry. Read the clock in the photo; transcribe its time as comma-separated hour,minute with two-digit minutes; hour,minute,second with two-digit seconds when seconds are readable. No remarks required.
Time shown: 1,47
